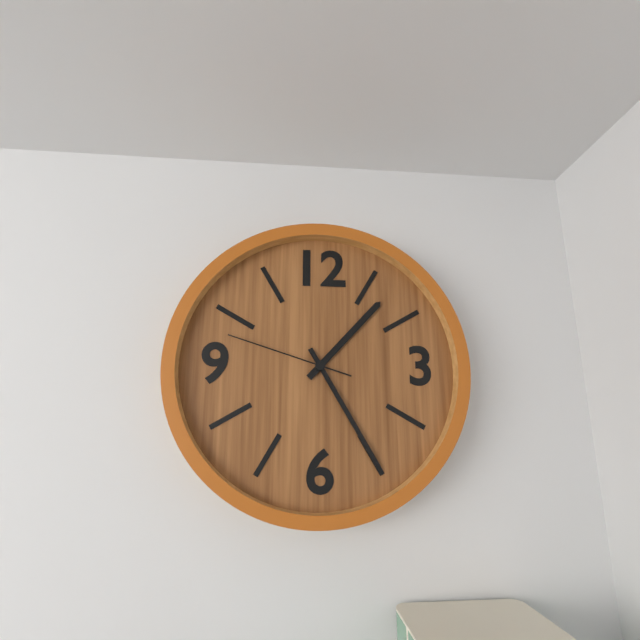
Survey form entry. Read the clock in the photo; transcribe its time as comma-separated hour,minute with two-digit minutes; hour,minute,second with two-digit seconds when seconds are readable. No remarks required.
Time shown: 1,25,48
